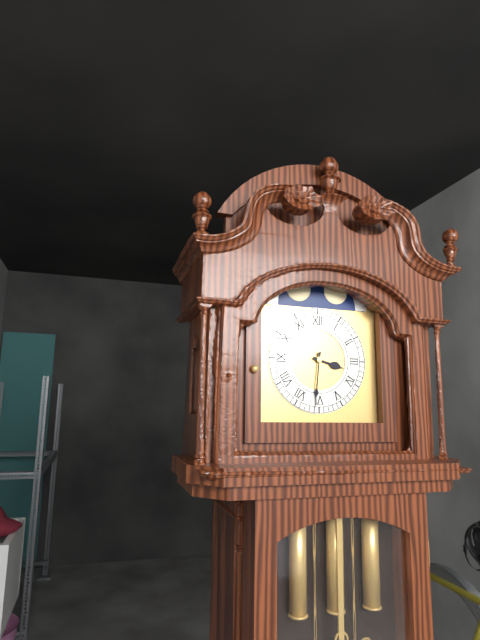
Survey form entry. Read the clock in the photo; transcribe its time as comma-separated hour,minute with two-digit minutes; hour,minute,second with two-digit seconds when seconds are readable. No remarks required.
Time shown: 3,31
